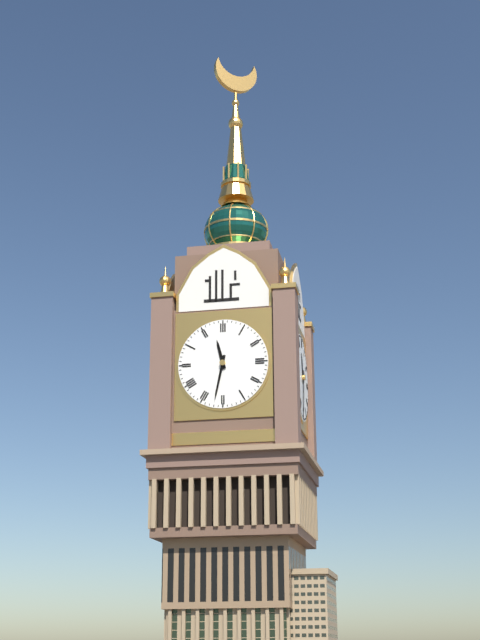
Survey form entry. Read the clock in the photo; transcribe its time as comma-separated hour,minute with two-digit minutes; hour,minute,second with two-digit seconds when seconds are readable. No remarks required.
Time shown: 11,32
